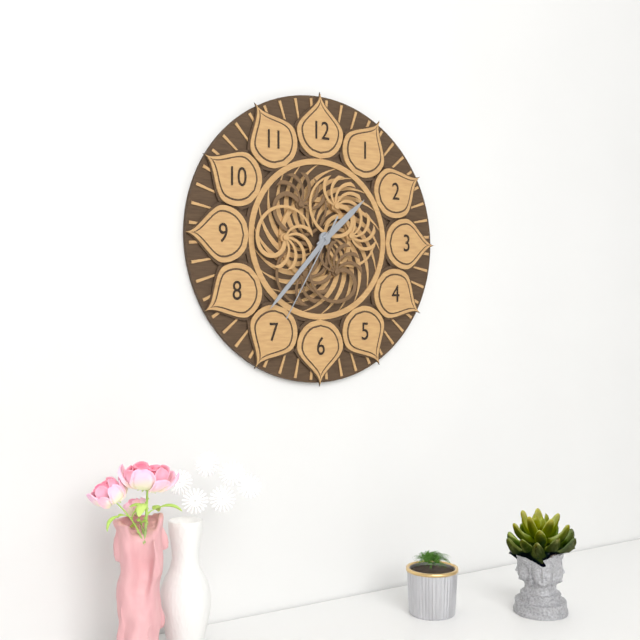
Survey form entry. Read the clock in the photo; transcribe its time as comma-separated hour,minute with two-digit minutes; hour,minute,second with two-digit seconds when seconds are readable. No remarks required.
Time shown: 1,37,35
